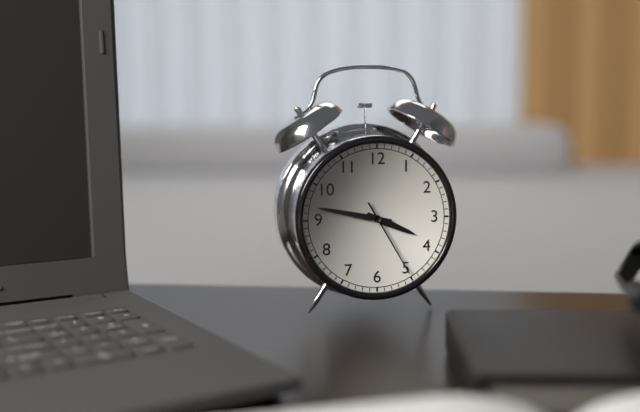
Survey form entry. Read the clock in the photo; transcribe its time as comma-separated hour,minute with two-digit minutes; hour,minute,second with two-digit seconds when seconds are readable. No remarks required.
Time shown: 3,47,25
